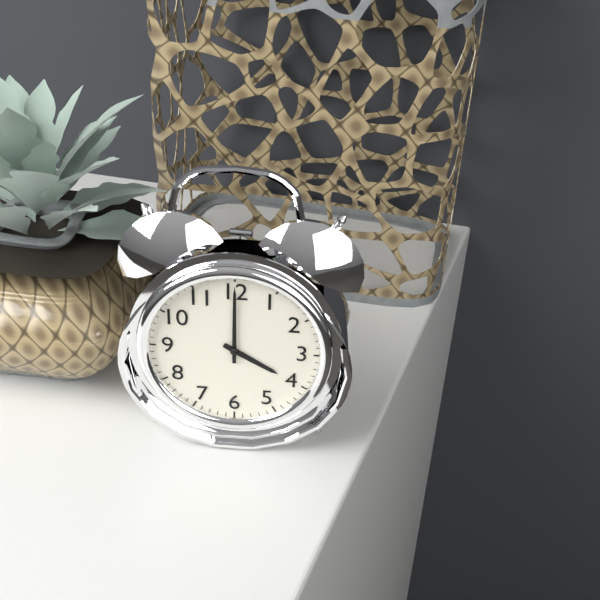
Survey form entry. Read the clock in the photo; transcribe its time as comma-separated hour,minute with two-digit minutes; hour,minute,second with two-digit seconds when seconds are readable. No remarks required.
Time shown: 4,00
